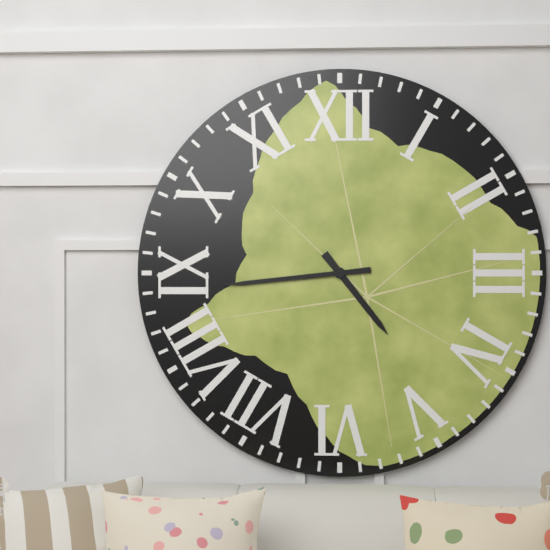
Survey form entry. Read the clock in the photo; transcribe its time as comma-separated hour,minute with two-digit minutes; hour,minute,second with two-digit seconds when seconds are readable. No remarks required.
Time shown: 4,44
